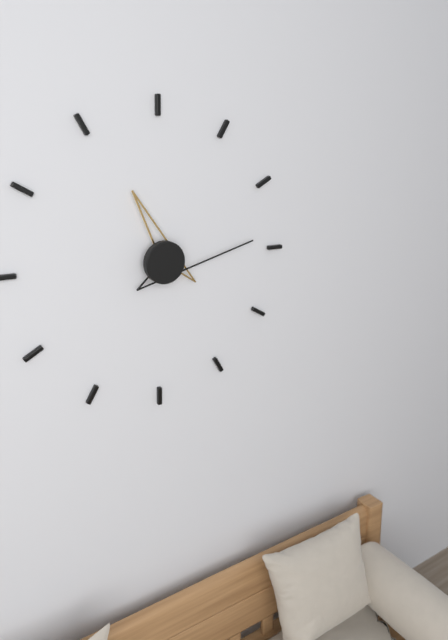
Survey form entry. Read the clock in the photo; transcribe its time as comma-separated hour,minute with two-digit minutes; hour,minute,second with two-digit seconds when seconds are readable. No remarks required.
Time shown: 11,14
